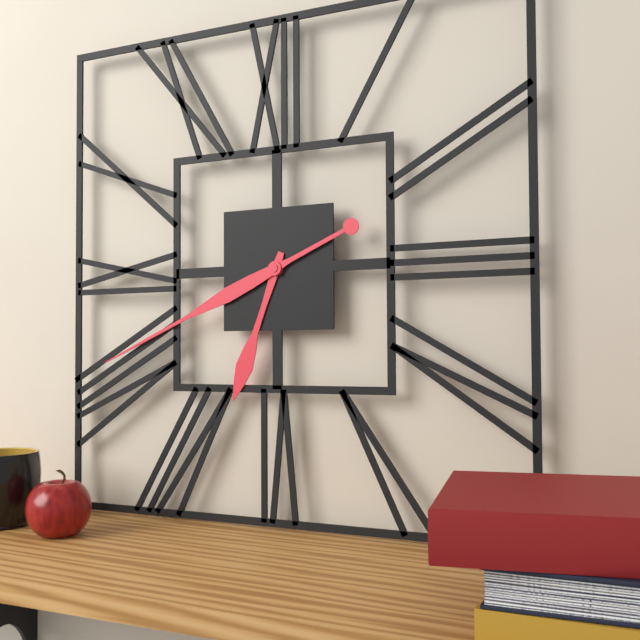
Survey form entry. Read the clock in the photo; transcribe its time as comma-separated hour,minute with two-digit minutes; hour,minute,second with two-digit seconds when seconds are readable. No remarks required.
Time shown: 6,41
